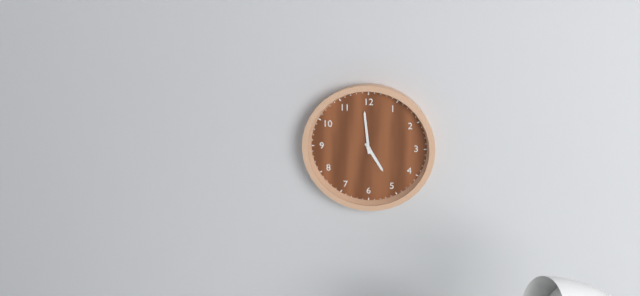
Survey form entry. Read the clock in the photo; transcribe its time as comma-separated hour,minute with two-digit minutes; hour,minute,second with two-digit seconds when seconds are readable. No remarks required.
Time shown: 4,59
